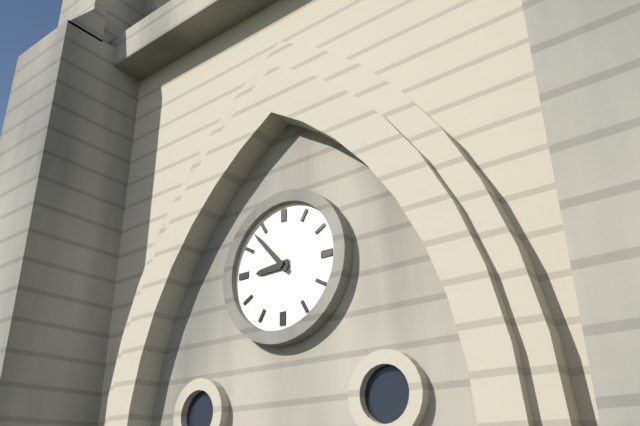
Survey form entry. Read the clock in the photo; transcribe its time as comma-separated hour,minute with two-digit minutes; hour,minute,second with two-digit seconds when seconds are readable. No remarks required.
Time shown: 8,53
